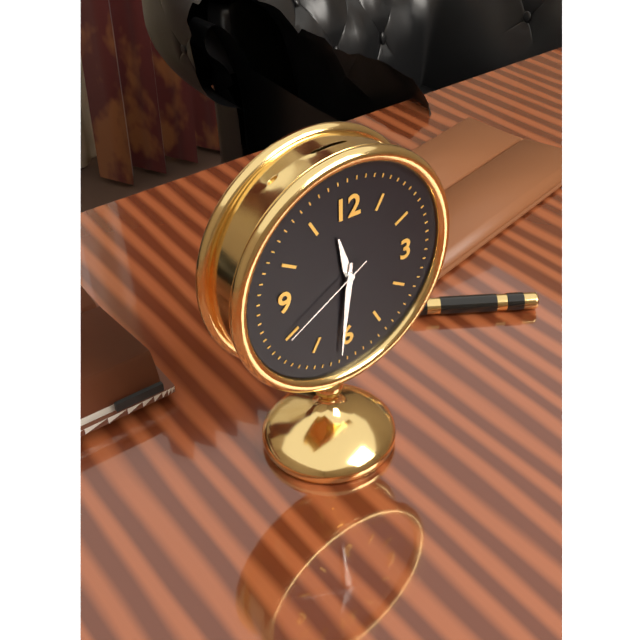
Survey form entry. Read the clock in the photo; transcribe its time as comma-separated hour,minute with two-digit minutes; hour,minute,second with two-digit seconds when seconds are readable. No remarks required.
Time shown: 11,31,40
